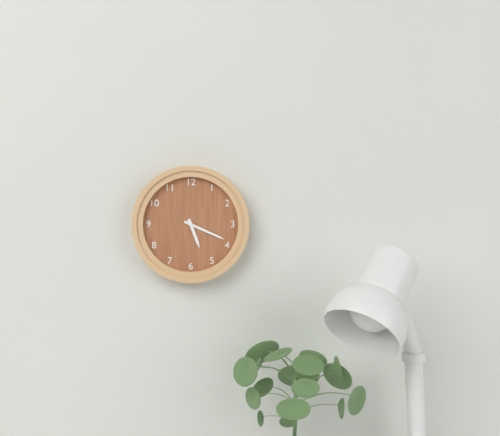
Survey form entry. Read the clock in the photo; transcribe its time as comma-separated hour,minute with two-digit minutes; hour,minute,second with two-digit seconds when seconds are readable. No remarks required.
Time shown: 5,19
